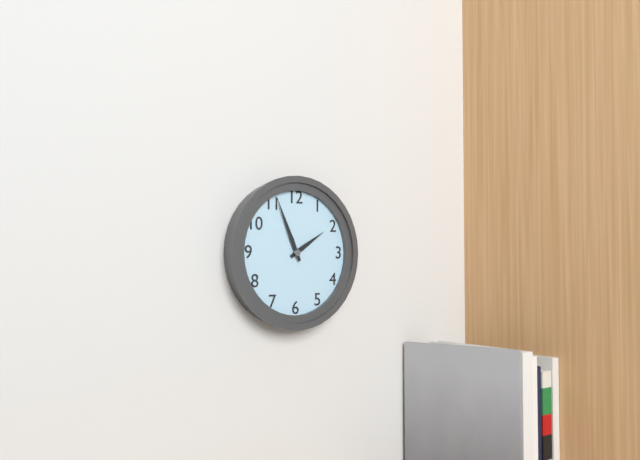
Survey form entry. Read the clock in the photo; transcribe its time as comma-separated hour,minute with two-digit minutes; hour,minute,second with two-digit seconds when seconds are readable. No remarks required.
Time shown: 1,56
